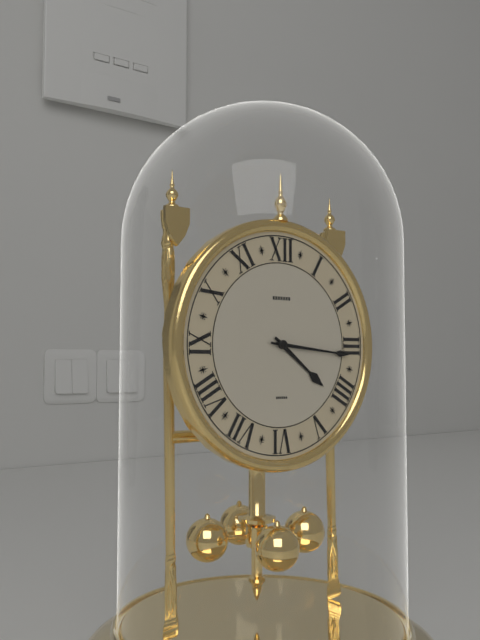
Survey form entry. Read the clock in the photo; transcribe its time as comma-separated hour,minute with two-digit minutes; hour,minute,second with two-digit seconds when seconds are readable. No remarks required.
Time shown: 4,16
